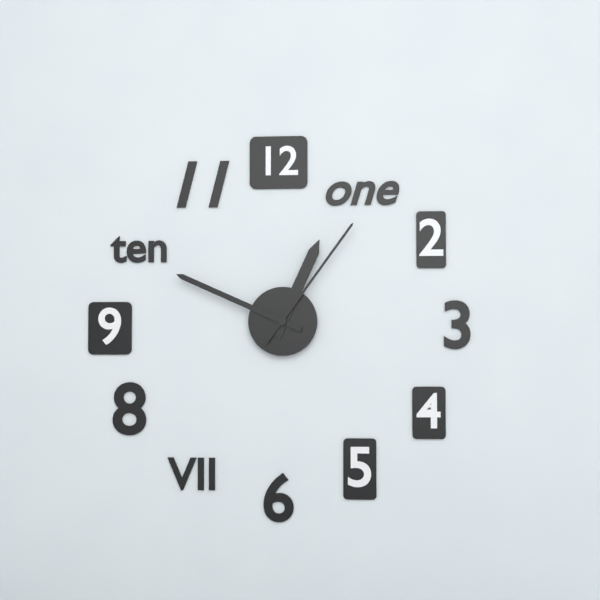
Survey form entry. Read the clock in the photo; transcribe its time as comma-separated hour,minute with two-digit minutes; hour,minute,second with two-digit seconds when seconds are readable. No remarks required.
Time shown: 12,49,06
